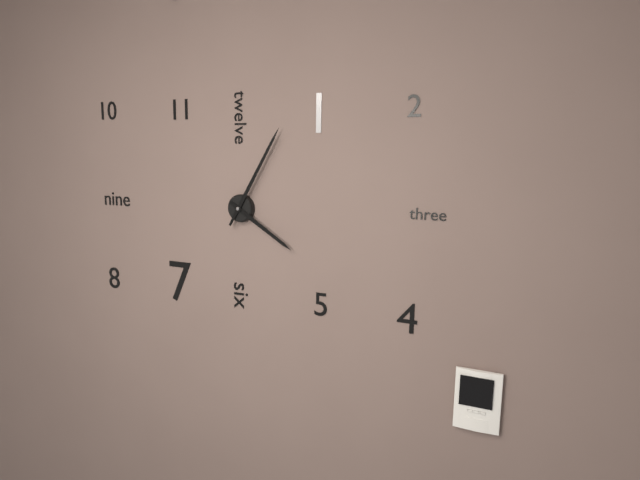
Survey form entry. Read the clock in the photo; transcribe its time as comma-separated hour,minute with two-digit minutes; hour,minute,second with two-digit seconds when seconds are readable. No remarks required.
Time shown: 4,05
